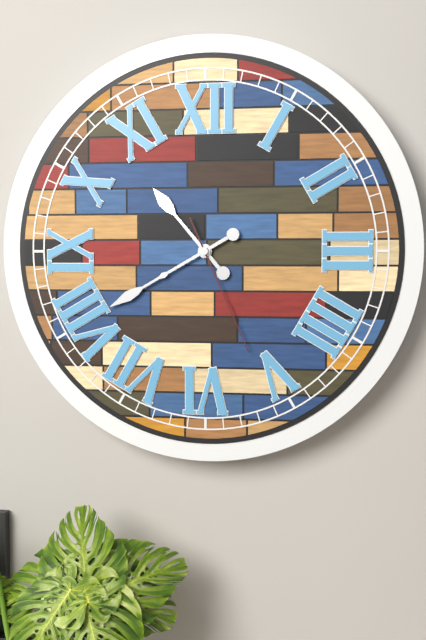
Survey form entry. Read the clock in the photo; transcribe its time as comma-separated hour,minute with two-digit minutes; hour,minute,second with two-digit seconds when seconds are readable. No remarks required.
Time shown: 10,40,26
